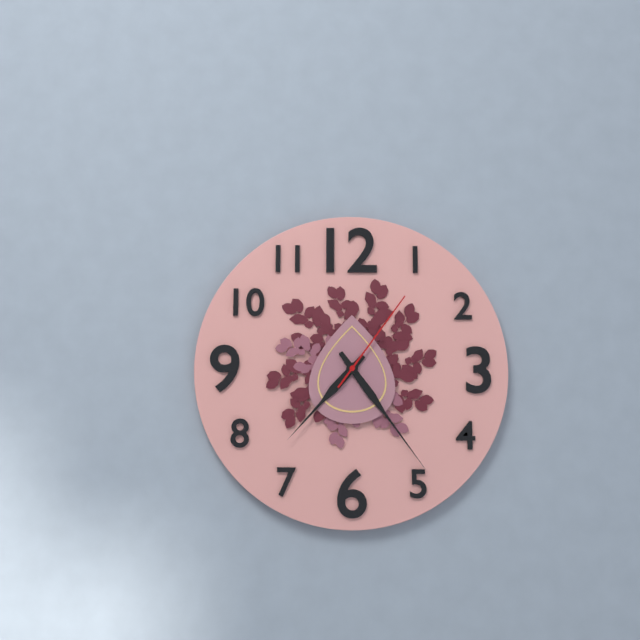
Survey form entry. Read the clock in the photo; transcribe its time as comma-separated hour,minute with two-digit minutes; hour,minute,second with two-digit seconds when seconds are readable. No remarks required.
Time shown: 7,24,06
